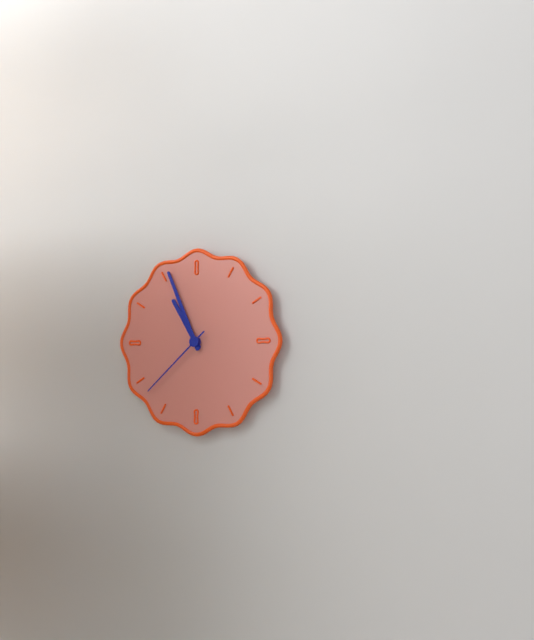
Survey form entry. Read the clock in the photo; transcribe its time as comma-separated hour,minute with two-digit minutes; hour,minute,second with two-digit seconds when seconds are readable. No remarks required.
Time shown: 10,56,38
